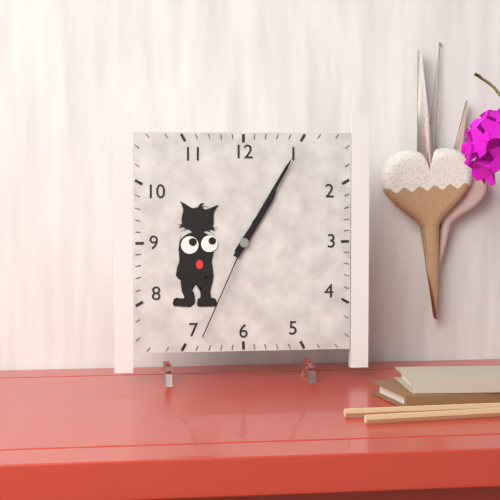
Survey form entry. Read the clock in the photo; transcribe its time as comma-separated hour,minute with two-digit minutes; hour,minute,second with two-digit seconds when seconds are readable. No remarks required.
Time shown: 1,05,34
